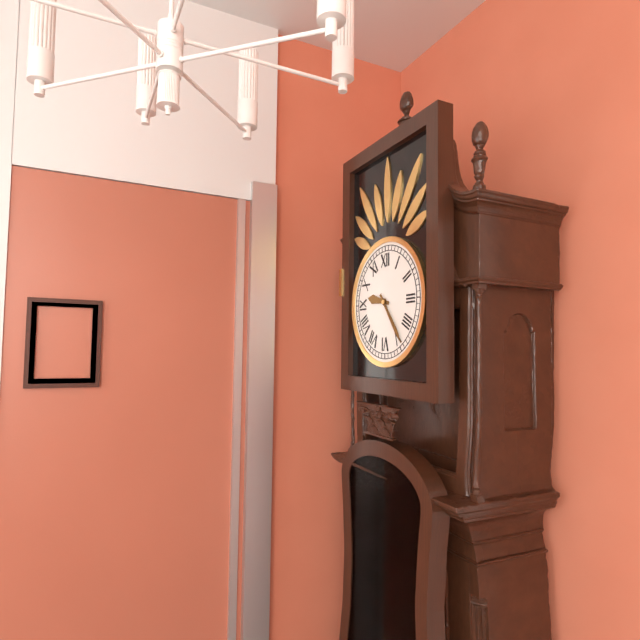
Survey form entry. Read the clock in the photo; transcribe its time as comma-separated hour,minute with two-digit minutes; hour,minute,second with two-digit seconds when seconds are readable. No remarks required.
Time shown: 9,24
